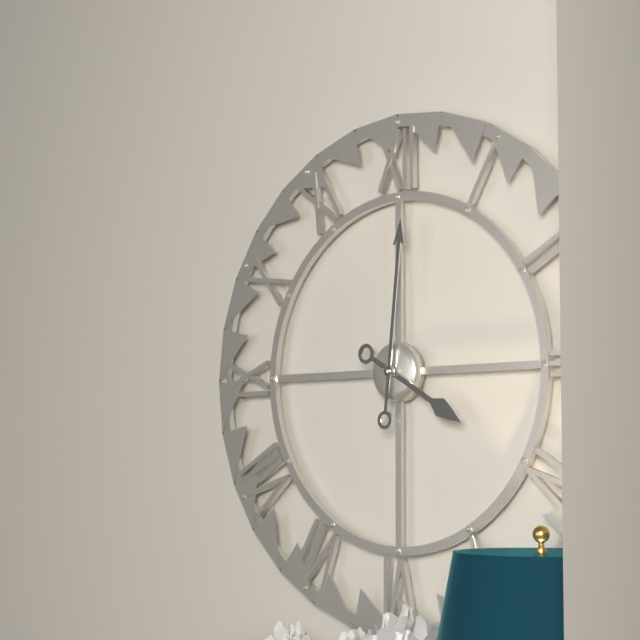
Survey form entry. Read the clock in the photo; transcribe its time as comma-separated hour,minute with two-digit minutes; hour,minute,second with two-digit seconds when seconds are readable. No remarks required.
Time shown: 4,01
